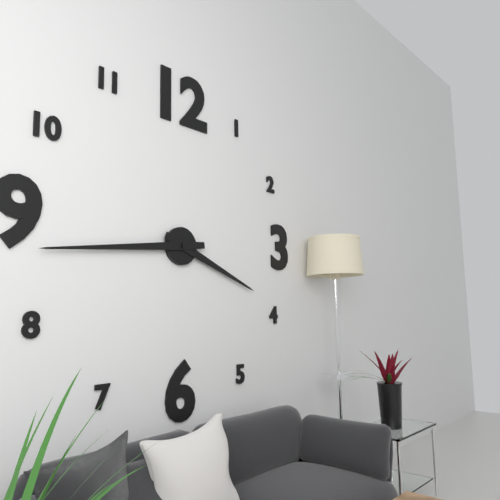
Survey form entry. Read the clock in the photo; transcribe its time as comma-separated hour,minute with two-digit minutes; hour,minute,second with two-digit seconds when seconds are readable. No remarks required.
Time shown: 3,44
